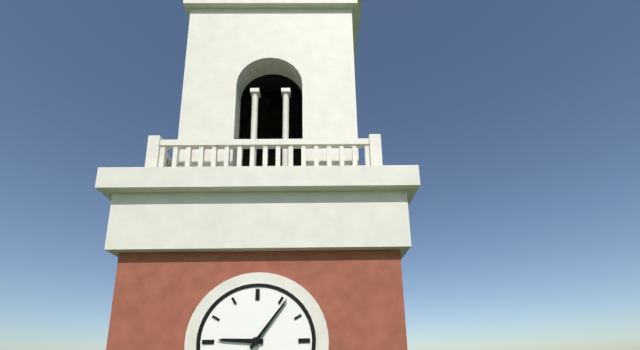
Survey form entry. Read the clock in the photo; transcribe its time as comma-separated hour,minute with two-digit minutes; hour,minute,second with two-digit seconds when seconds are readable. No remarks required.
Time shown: 9,06
